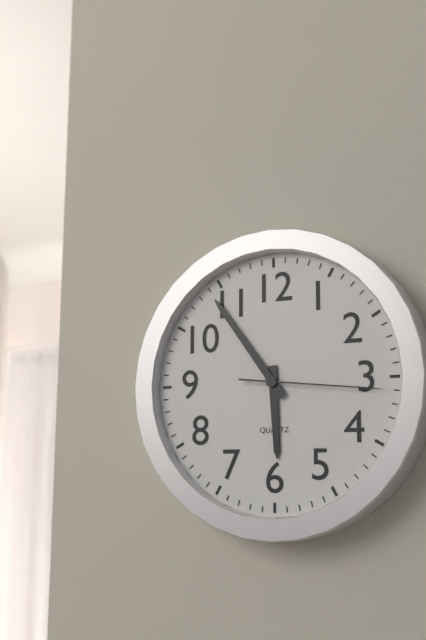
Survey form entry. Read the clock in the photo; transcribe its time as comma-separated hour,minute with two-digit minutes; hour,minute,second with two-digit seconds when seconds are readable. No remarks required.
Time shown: 5,54,16
